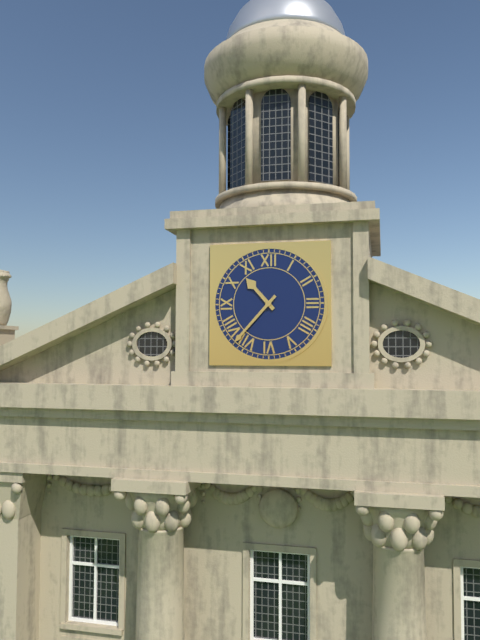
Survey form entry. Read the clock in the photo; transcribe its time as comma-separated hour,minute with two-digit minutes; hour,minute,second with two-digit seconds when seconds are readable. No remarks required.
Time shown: 10,37
